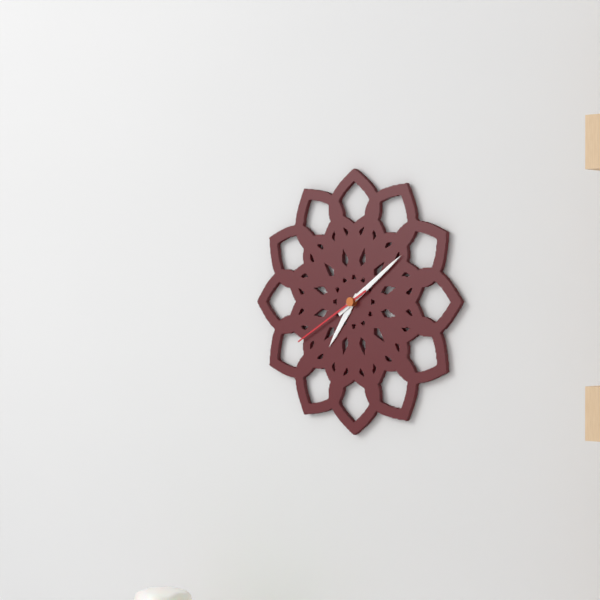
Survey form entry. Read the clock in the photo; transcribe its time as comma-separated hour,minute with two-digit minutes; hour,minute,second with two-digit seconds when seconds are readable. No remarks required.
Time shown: 7,09,40
